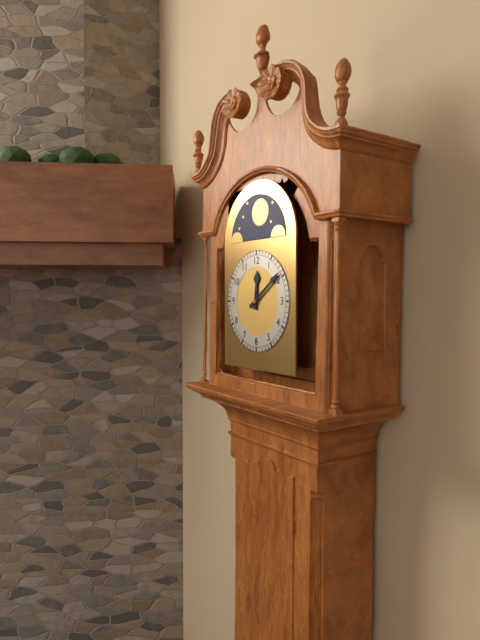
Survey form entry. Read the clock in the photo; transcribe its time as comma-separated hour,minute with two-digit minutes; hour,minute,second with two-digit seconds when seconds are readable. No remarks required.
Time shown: 12,09
